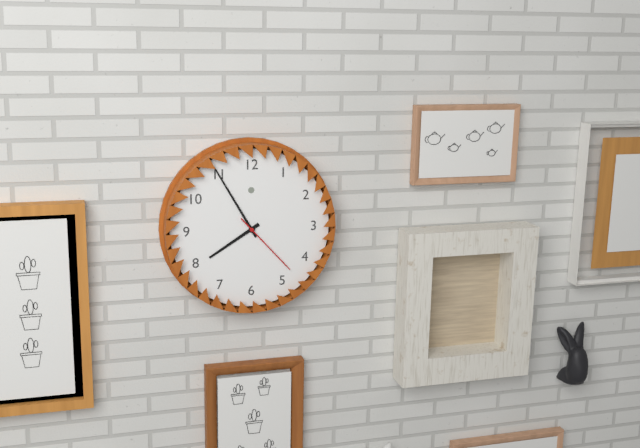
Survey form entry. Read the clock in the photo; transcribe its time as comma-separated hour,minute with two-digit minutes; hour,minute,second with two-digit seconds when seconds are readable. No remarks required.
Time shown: 7,55,23
